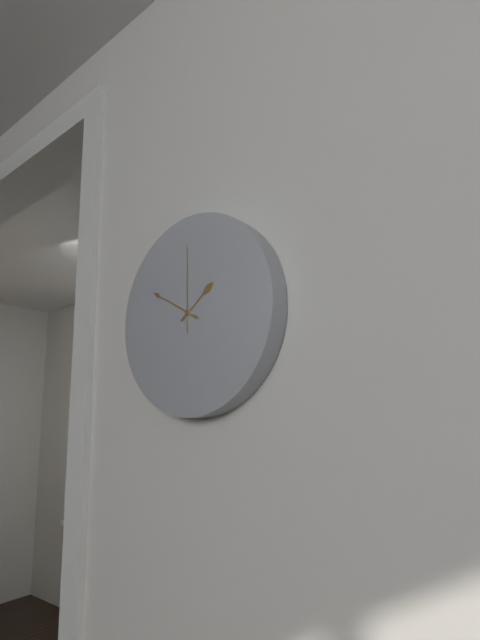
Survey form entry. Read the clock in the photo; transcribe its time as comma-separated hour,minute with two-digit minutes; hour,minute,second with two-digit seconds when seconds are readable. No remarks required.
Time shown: 1,50,00
